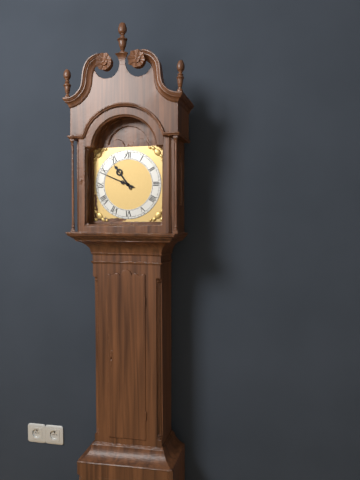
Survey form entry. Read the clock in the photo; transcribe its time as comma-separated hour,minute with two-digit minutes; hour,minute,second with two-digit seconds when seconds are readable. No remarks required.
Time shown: 10,49
